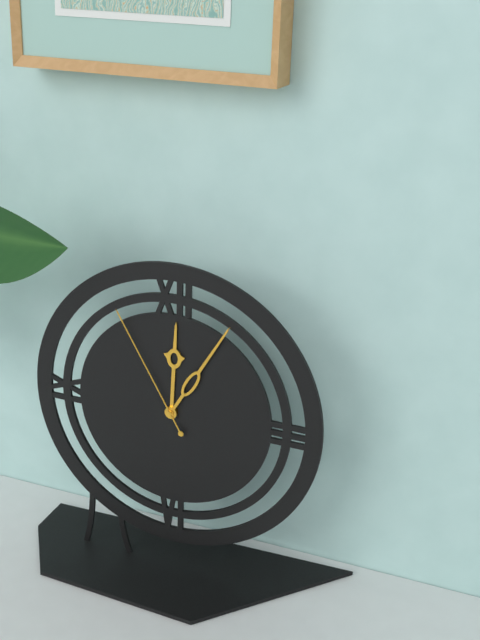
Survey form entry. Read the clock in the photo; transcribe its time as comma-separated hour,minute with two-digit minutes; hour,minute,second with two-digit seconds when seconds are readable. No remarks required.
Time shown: 12,05,55
